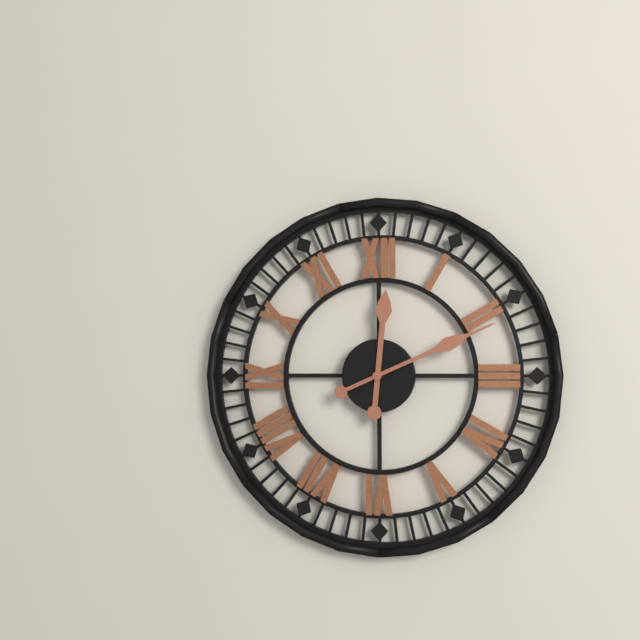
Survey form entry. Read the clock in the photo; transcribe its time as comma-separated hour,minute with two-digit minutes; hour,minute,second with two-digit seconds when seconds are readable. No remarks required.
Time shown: 12,11
